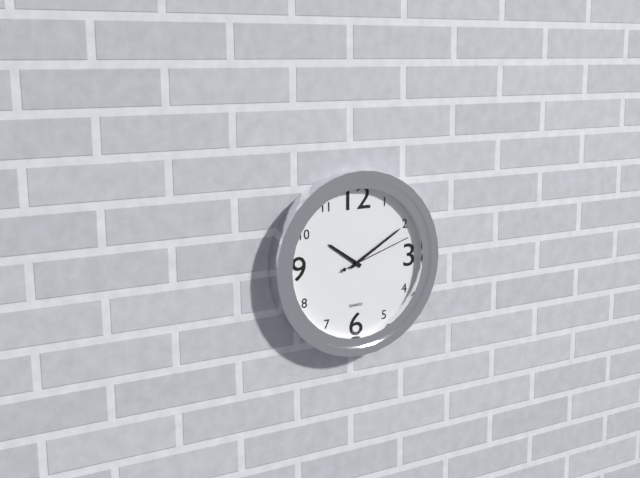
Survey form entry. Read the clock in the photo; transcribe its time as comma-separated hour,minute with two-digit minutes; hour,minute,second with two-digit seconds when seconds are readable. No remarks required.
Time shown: 10,10,12
